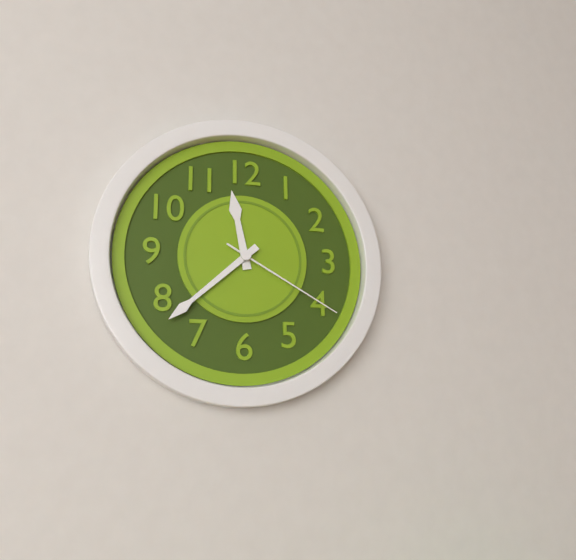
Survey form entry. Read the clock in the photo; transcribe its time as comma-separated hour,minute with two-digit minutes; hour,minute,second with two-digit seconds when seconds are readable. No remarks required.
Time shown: 11,38,20
